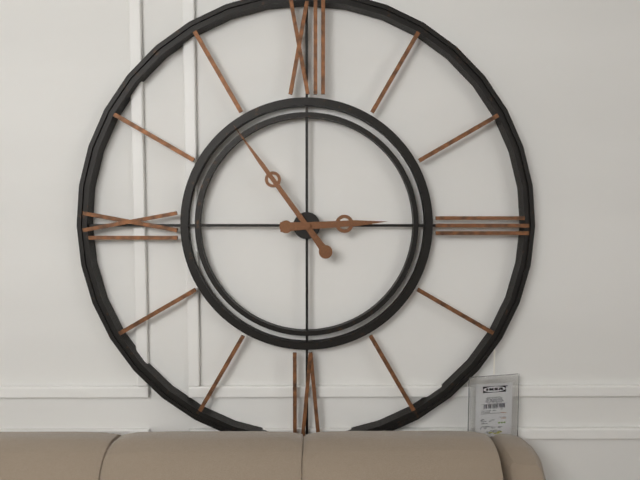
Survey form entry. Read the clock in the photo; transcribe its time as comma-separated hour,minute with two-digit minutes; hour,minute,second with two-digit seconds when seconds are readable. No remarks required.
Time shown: 2,54
